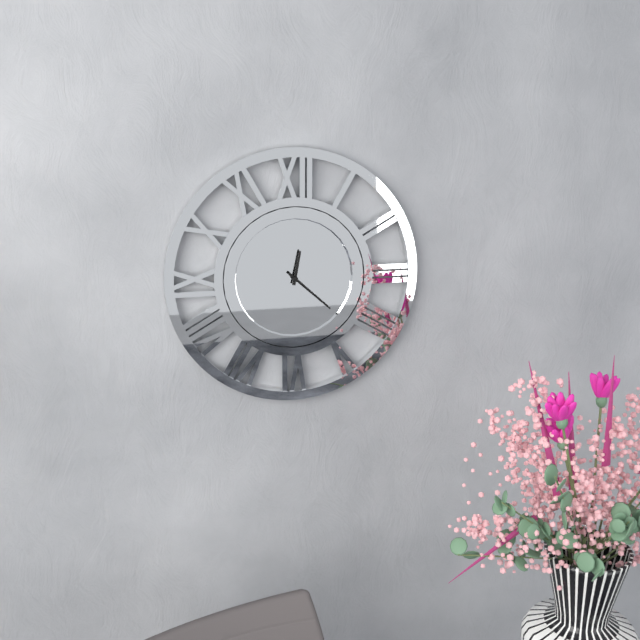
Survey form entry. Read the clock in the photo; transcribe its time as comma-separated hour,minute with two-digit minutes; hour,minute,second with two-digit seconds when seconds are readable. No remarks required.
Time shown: 12,22
